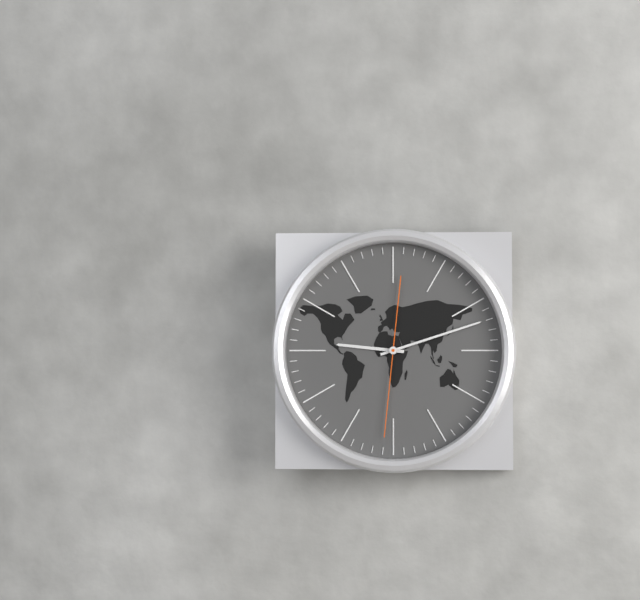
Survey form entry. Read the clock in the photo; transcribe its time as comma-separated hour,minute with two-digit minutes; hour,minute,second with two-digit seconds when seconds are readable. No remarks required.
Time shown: 9,12,31
